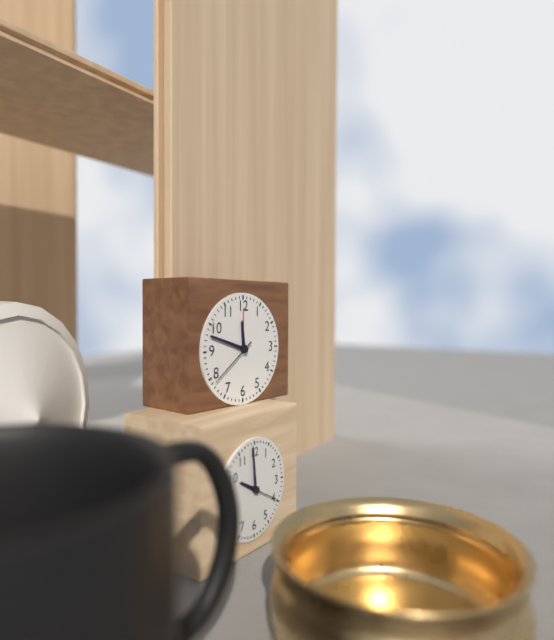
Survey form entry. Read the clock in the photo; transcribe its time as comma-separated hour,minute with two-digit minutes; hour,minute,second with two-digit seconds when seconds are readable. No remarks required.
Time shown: 11,48,39
